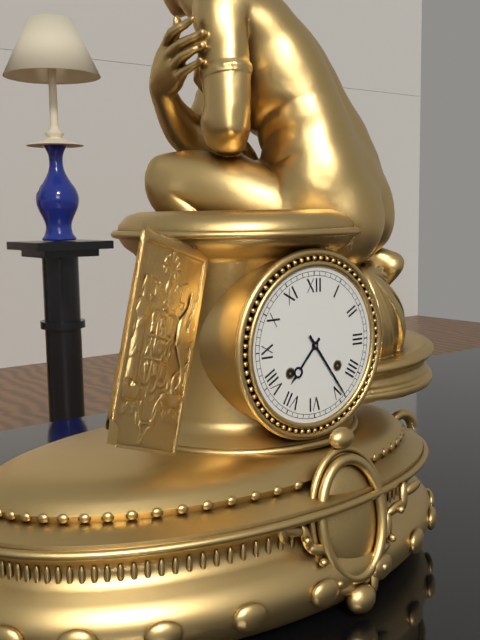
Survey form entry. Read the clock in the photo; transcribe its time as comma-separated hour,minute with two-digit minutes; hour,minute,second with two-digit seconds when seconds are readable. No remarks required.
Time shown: 7,24
